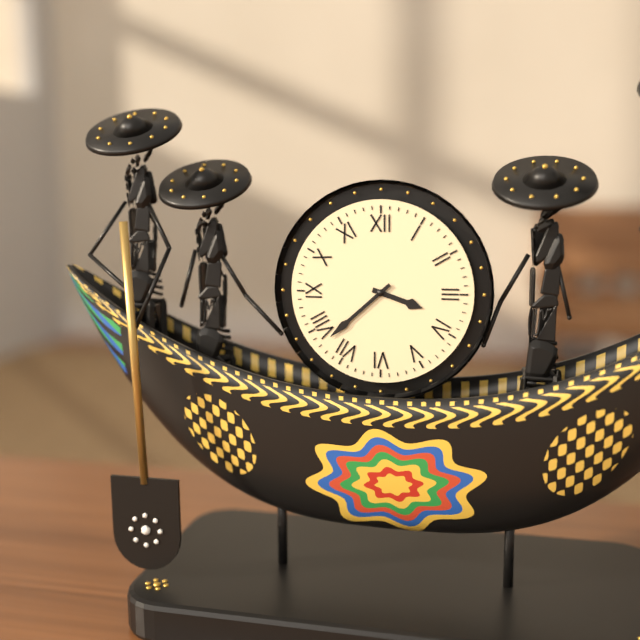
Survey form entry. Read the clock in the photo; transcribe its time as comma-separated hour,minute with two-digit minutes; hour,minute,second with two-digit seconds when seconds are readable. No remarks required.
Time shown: 3,38
